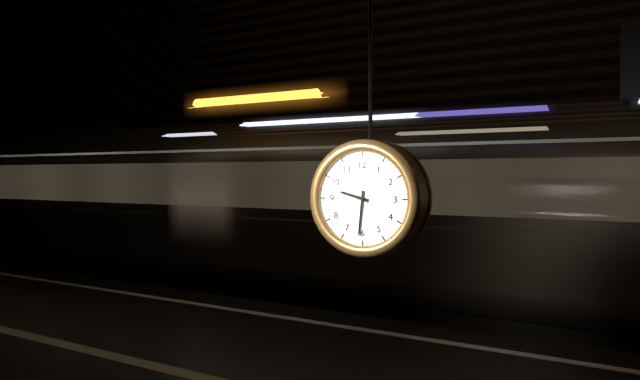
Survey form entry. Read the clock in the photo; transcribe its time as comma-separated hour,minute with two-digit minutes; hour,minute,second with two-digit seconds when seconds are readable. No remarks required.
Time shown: 9,31
